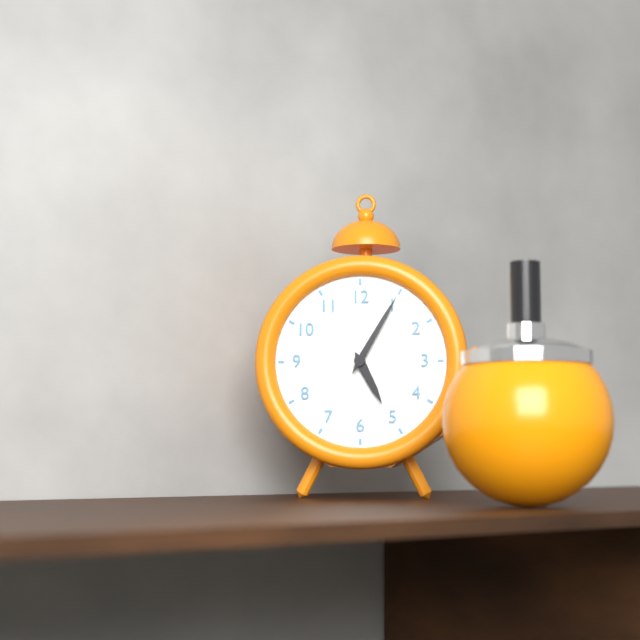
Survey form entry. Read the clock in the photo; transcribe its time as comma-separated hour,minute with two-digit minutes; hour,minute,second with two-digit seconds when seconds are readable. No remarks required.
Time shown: 5,05
